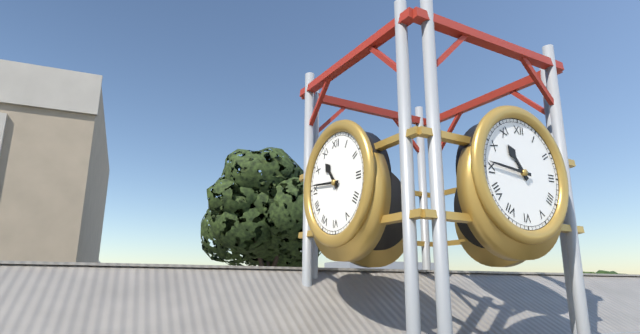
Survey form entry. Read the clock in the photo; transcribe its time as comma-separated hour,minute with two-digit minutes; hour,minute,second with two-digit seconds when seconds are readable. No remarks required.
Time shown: 10,46
